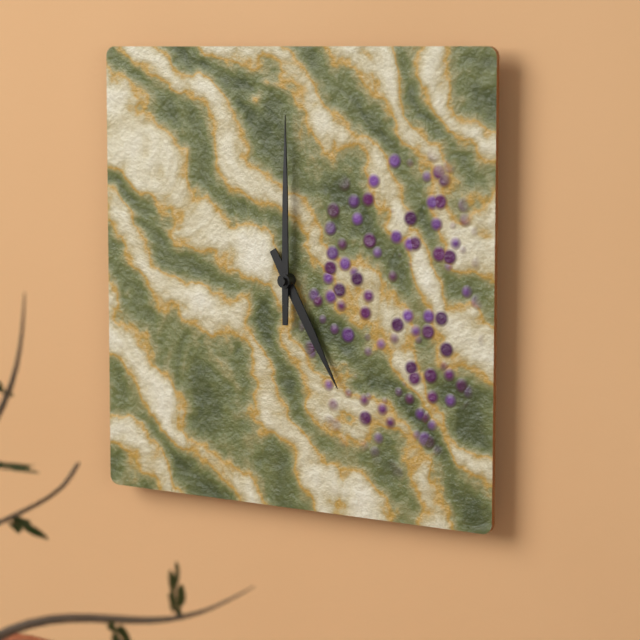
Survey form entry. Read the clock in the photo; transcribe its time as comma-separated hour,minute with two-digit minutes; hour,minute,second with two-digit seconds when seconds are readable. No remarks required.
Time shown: 5,00
